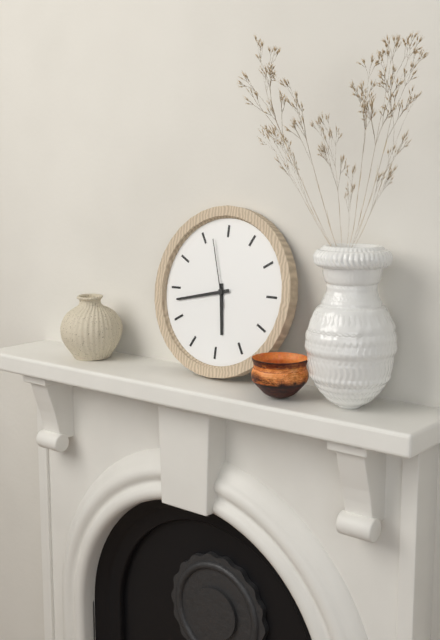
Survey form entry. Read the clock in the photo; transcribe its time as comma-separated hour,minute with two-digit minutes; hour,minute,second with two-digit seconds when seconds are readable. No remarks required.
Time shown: 5,43,57
